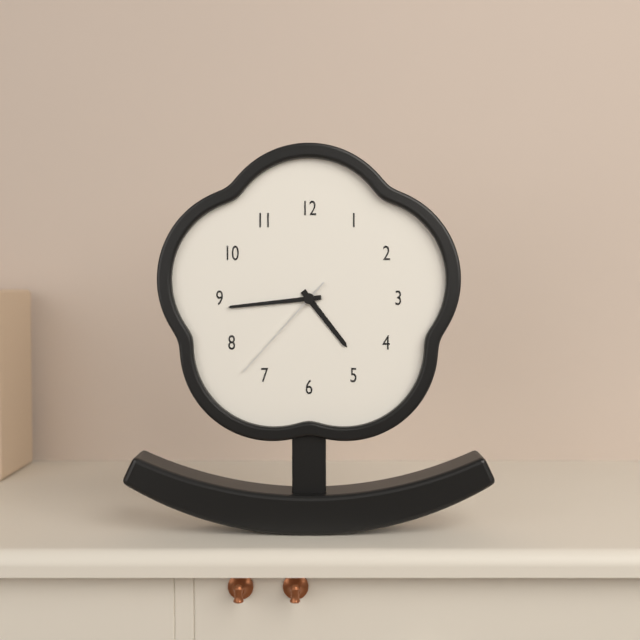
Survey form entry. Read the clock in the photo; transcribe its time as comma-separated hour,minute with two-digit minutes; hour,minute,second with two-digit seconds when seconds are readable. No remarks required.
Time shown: 4,44,37
